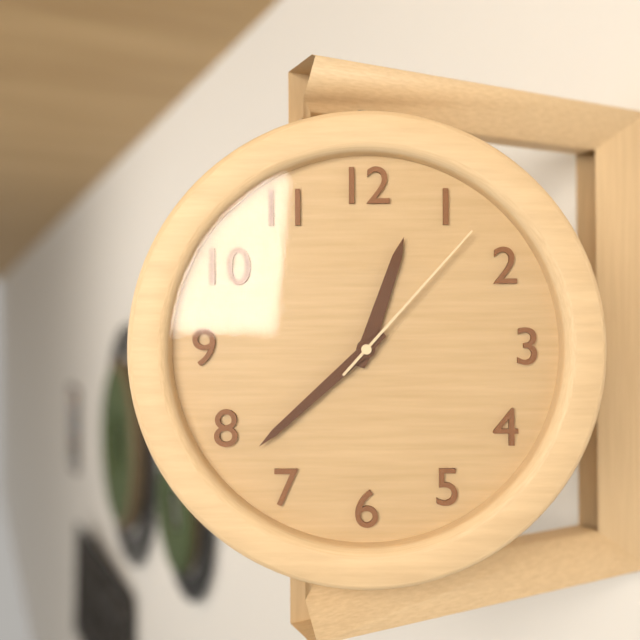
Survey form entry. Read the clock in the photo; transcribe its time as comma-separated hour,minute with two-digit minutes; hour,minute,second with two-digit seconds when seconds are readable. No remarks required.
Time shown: 12,38,07
